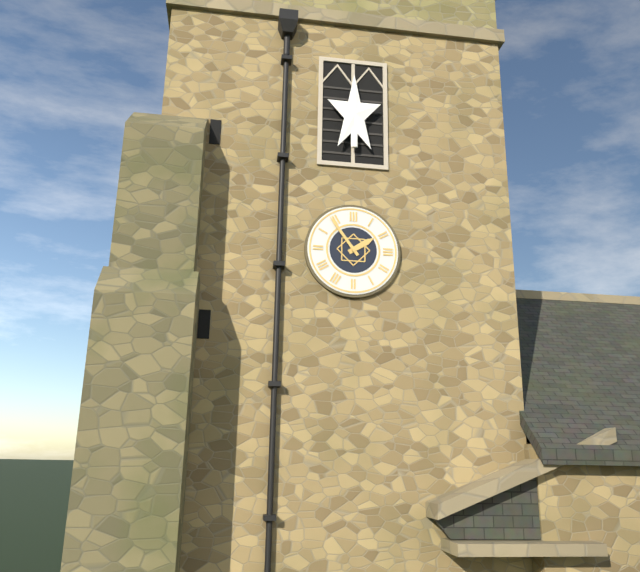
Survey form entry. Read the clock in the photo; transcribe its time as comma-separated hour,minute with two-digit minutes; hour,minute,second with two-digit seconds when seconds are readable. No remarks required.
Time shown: 1,54
